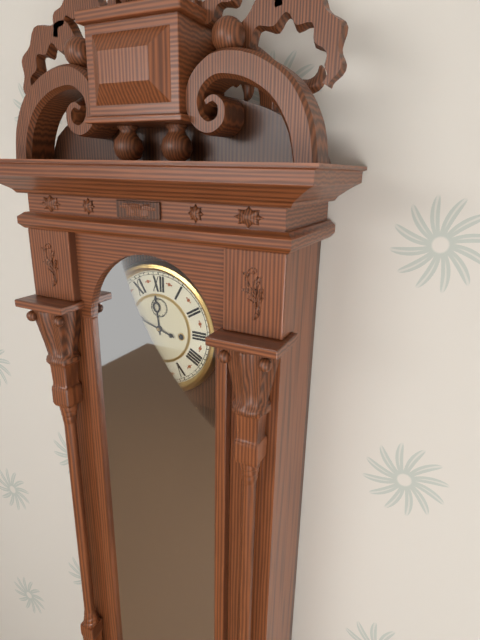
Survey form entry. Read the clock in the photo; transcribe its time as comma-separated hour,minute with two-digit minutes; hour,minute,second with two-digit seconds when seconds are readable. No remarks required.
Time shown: 11,48
